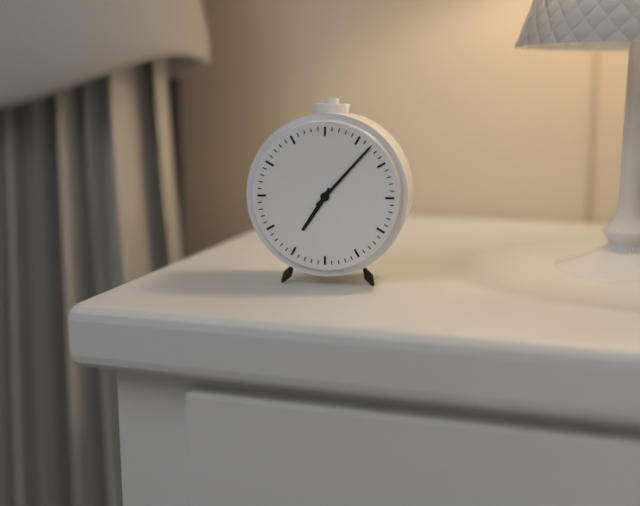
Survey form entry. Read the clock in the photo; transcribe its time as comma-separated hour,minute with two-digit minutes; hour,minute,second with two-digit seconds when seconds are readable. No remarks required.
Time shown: 7,07
